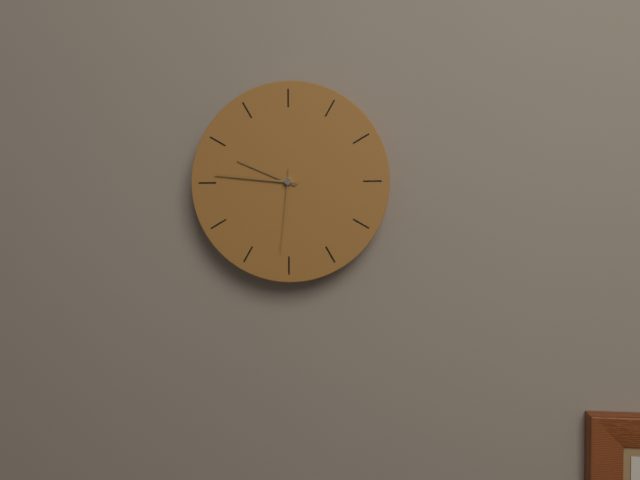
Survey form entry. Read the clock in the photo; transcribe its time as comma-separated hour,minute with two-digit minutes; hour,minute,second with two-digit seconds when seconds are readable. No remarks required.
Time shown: 9,46,31
